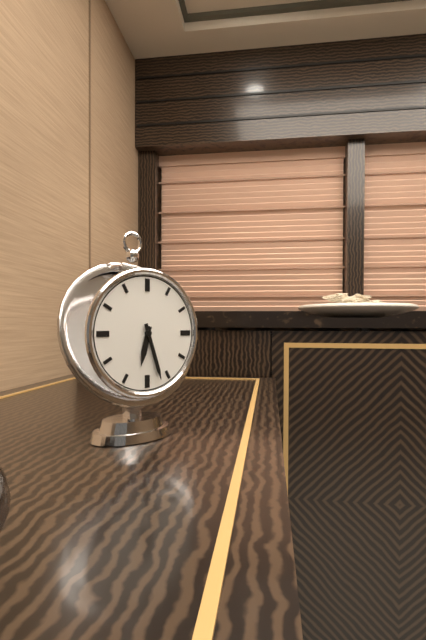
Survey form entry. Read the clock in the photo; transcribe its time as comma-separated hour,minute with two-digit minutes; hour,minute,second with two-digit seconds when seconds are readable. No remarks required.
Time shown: 6,27
